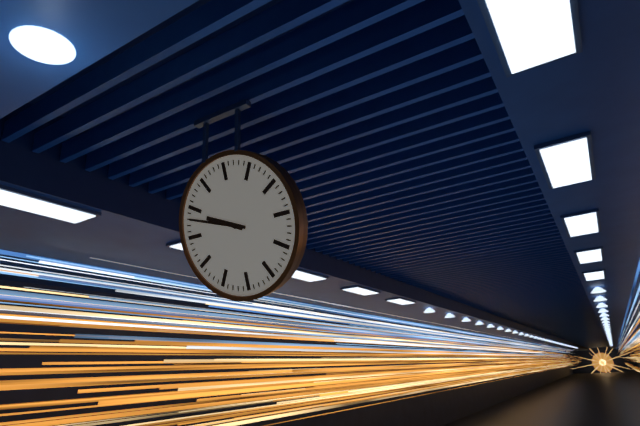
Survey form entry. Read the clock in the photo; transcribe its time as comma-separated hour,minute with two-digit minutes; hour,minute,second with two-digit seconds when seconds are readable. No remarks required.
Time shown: 9,48
